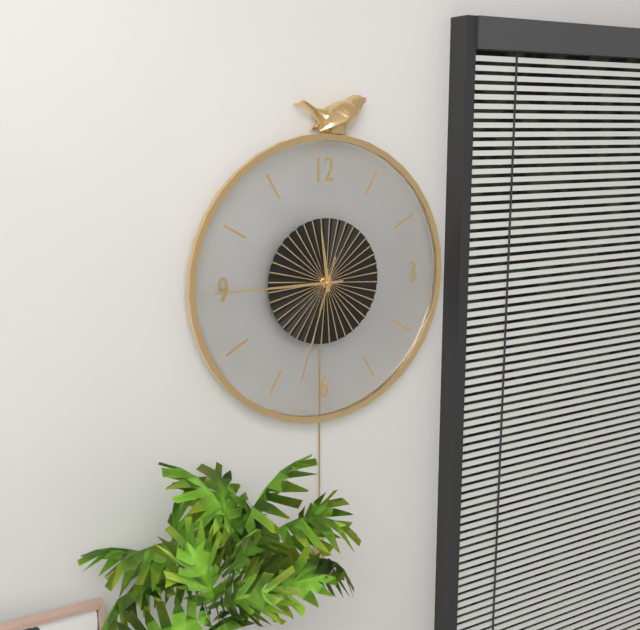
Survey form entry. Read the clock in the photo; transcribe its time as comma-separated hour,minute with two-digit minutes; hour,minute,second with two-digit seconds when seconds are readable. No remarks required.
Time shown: 11,45,33
